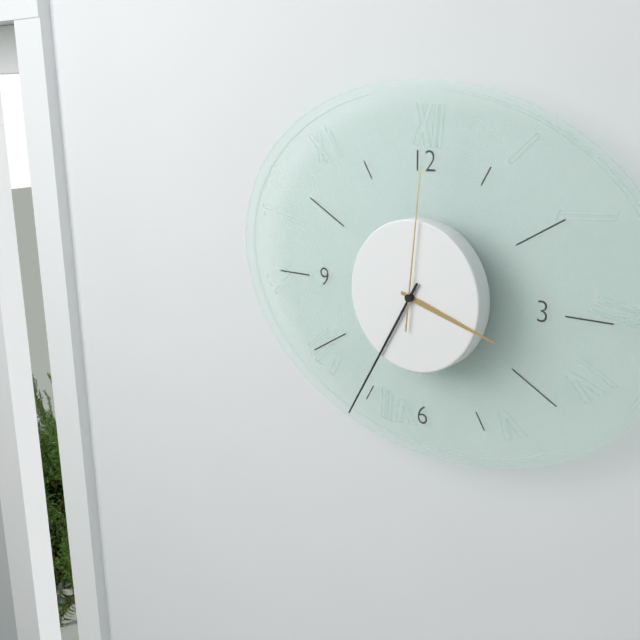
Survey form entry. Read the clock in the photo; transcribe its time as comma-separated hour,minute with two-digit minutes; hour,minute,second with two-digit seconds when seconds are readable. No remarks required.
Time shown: 3,35,01
